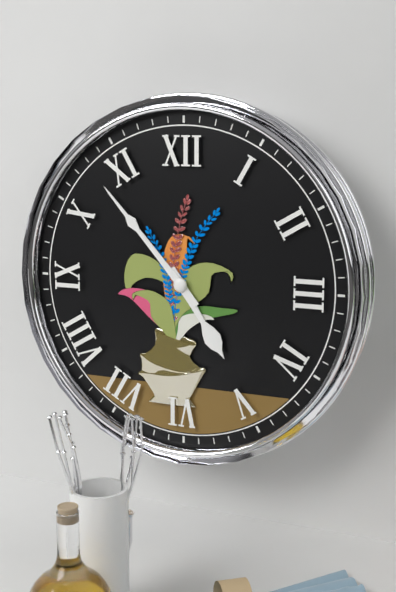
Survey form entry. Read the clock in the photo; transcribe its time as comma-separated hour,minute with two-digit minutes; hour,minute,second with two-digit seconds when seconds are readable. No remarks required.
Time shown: 4,53
